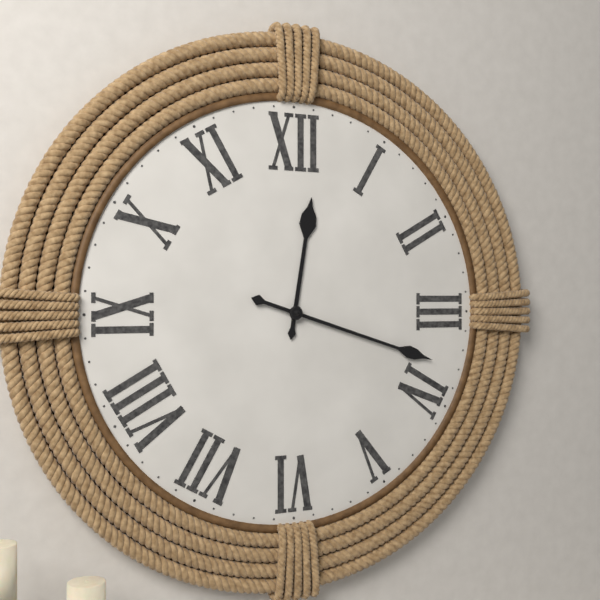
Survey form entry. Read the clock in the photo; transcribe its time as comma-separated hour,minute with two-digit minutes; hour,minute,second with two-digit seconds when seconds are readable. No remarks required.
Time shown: 12,18
